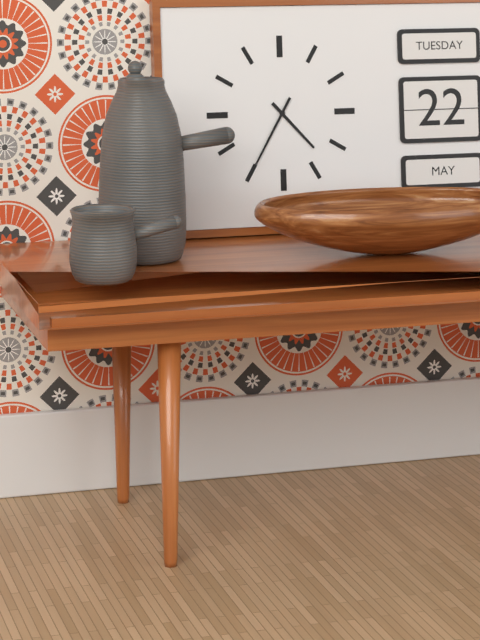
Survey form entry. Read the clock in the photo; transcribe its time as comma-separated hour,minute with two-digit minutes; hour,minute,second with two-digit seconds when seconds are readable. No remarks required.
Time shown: 4,35
